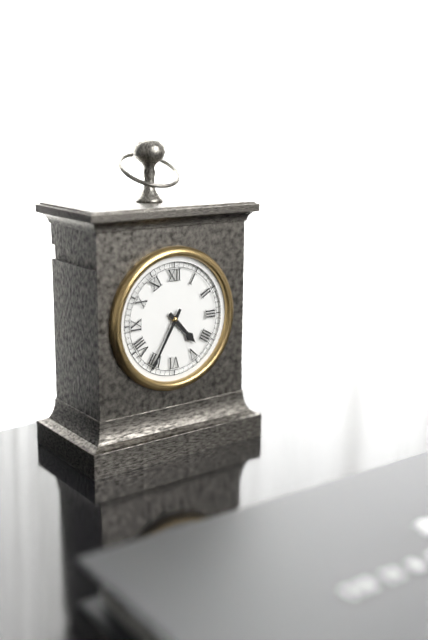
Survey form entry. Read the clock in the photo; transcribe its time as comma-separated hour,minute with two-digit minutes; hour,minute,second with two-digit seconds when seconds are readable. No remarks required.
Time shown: 4,35
